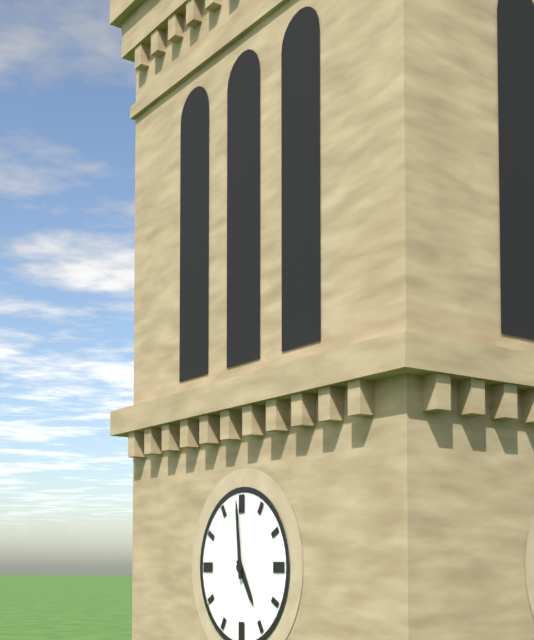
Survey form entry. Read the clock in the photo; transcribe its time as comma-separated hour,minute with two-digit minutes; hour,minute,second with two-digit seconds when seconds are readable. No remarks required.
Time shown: 4,59
